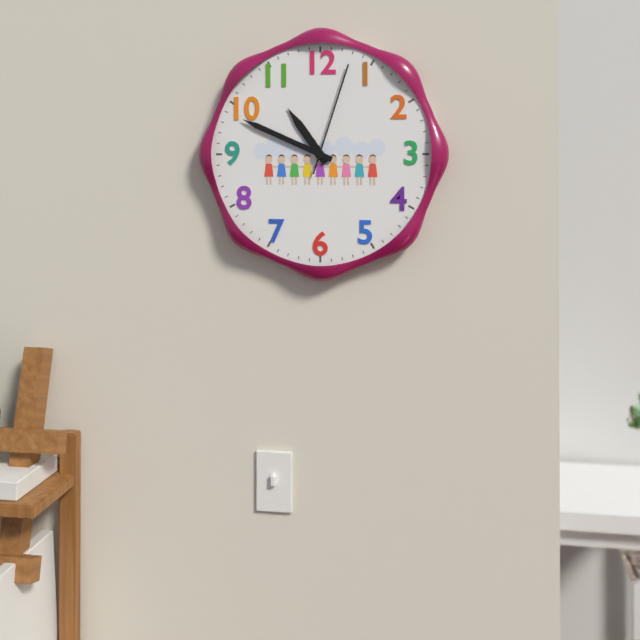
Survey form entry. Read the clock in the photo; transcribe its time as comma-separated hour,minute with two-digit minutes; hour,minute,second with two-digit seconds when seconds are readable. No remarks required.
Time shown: 10,49,03
